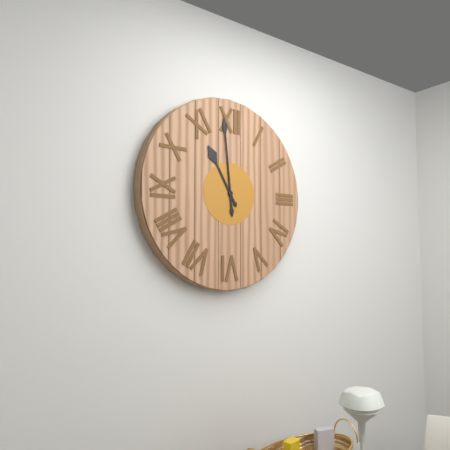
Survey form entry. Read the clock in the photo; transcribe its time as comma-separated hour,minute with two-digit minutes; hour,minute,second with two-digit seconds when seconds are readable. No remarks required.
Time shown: 10,59
